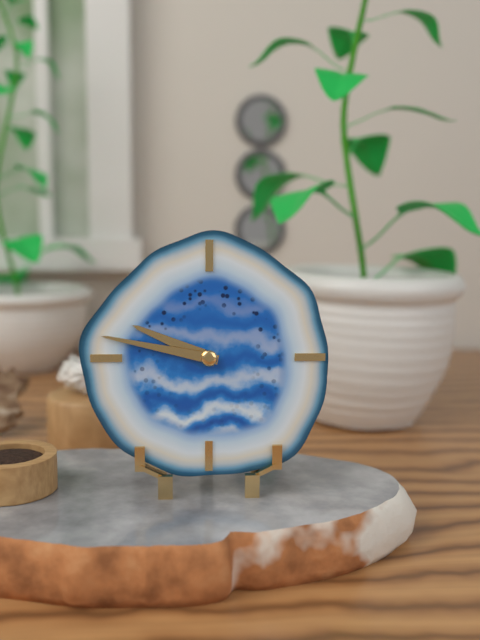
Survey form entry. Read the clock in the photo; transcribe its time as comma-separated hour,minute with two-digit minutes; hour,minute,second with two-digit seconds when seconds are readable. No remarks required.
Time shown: 9,47
